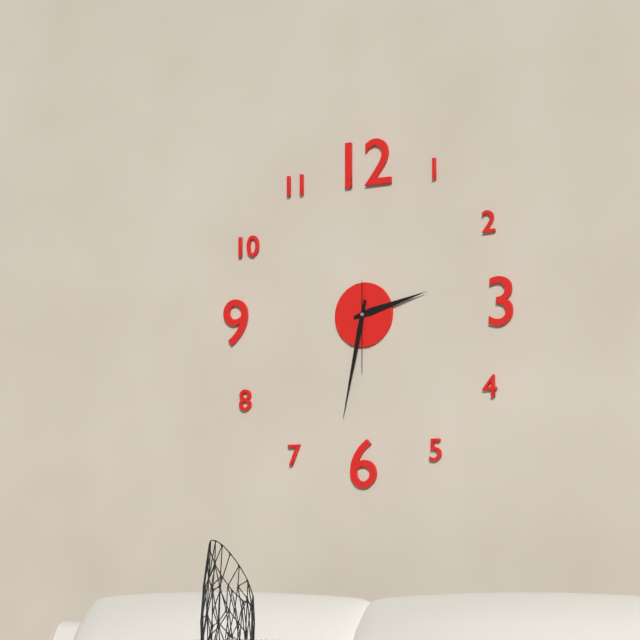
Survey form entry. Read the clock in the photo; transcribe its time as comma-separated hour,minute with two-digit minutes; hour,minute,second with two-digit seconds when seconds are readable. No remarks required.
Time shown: 2,32,30
